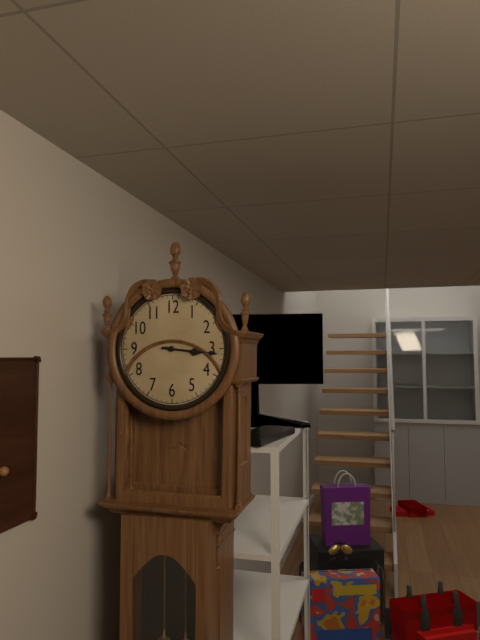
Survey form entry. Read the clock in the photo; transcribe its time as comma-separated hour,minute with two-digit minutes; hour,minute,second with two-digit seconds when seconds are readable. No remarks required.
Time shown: 3,16
